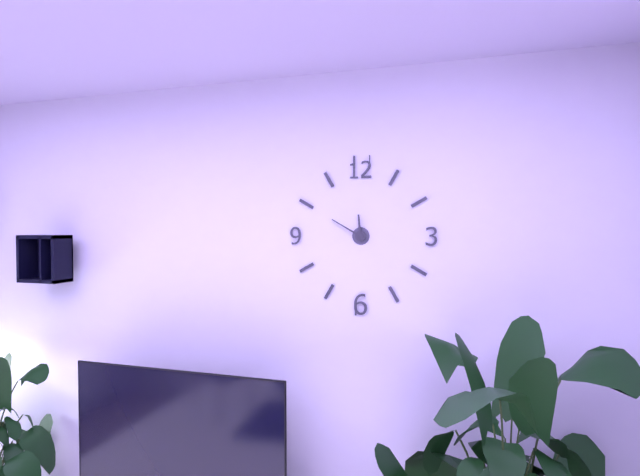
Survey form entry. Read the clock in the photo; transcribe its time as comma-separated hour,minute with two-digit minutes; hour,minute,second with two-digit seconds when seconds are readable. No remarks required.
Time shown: 11,50
